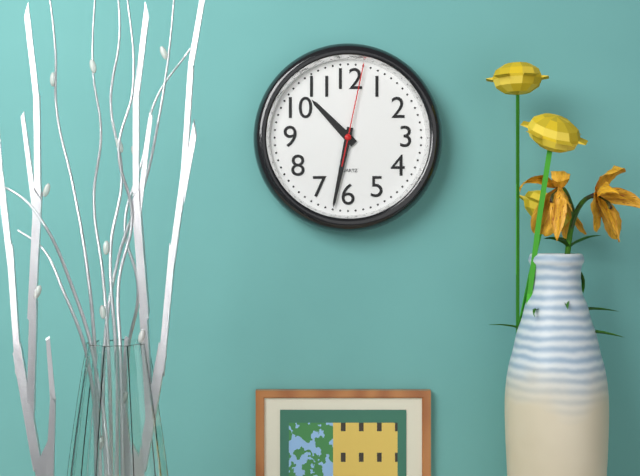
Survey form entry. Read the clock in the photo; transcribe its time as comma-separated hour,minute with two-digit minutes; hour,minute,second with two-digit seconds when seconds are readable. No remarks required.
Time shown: 10,32,02
